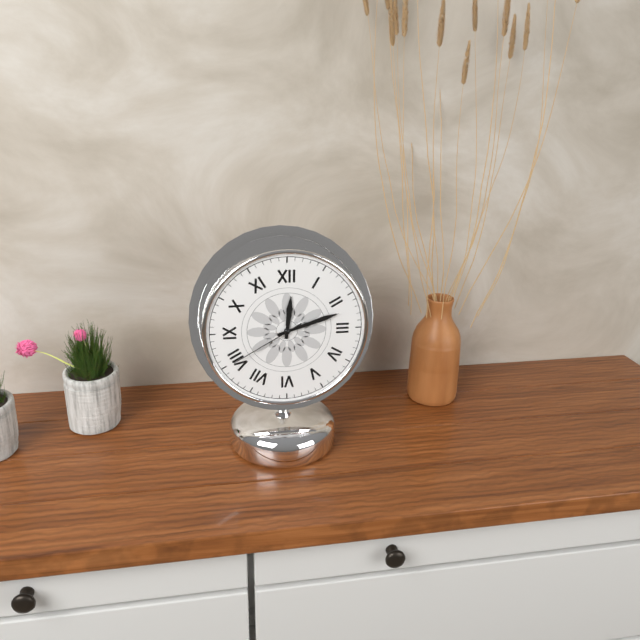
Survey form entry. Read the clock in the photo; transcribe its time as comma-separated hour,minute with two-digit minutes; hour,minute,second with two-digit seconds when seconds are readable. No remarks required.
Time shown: 12,12,40
